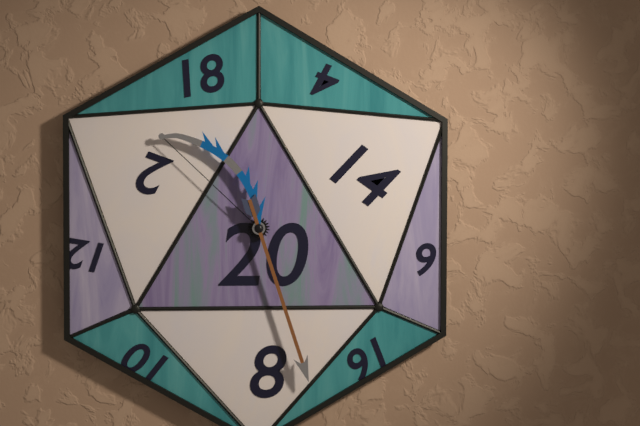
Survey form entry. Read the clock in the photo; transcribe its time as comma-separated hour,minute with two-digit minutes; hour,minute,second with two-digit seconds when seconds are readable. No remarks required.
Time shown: 10,27
